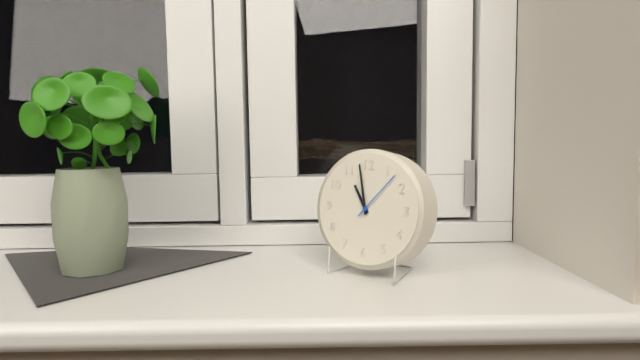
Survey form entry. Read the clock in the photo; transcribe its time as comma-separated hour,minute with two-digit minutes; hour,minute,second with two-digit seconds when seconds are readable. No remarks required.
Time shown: 10,58,07
